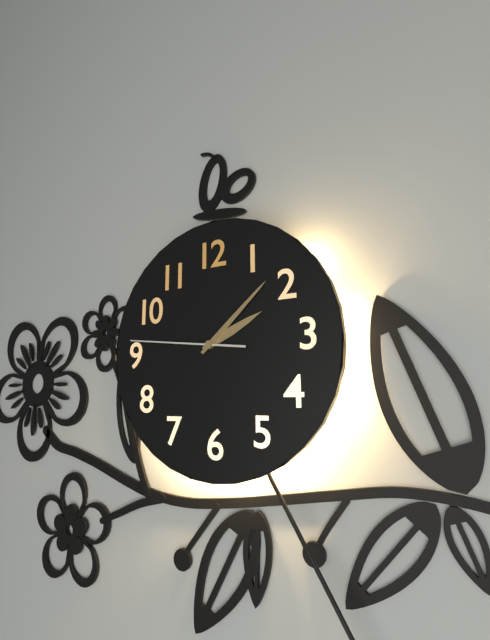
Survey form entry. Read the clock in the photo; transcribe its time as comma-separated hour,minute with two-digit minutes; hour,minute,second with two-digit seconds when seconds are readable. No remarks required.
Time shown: 2,08,46
